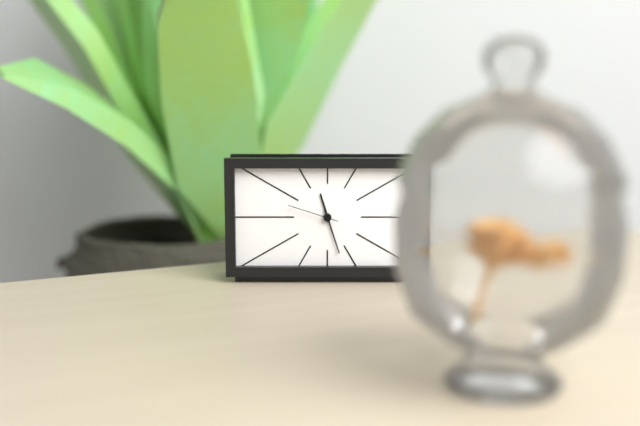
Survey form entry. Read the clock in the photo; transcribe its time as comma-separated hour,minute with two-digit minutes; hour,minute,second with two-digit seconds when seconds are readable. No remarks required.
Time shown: 11,27,48
